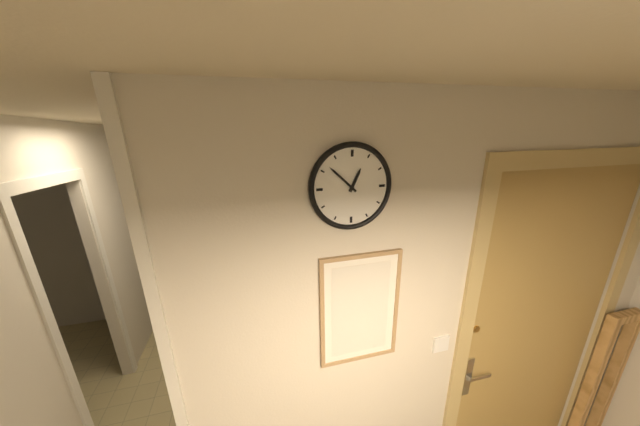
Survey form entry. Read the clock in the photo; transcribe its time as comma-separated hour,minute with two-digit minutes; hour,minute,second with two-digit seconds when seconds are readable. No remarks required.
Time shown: 12,52
